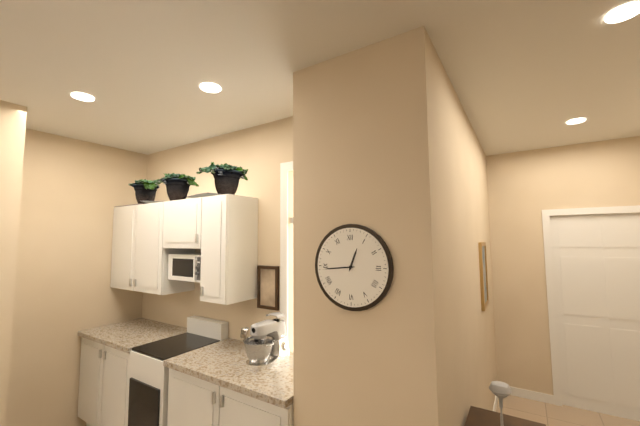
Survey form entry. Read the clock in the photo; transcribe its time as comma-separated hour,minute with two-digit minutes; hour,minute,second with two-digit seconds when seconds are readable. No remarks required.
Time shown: 12,44
